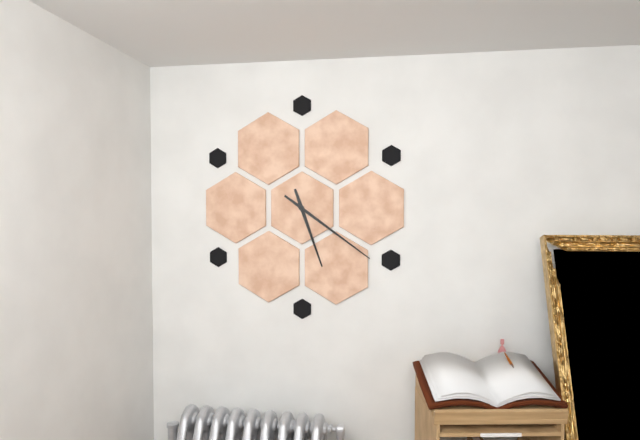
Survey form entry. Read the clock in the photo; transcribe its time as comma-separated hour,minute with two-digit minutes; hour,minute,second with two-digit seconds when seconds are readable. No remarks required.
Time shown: 5,21
